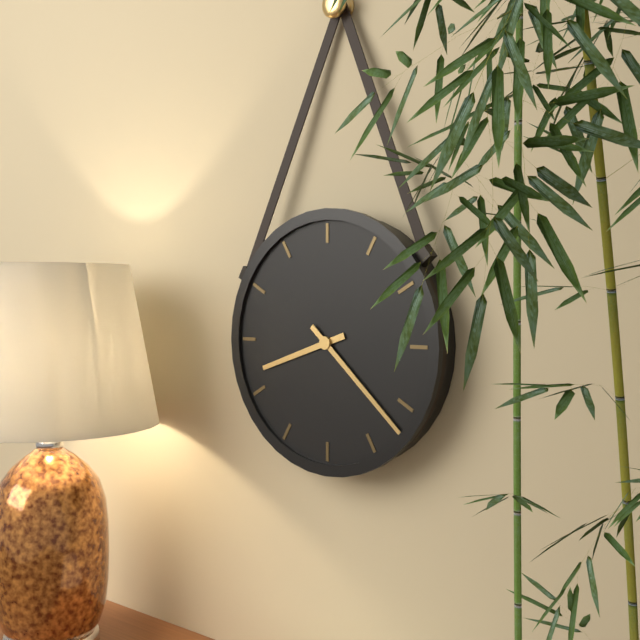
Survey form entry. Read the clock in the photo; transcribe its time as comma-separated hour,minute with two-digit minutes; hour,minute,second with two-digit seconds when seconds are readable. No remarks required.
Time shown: 8,22
